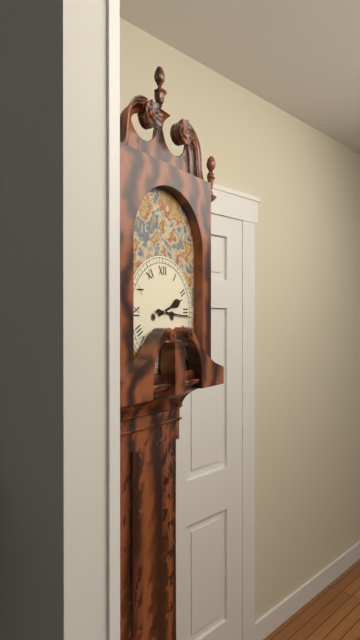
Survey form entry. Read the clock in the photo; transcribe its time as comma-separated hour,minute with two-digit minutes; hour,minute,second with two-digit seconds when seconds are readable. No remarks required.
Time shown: 2,16
